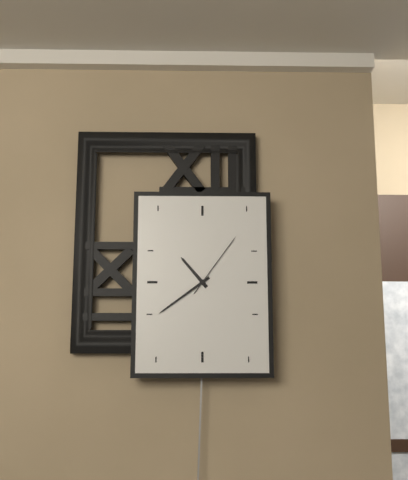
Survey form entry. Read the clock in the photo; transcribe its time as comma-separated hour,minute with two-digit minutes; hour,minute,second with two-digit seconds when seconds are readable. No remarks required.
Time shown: 10,39,06
